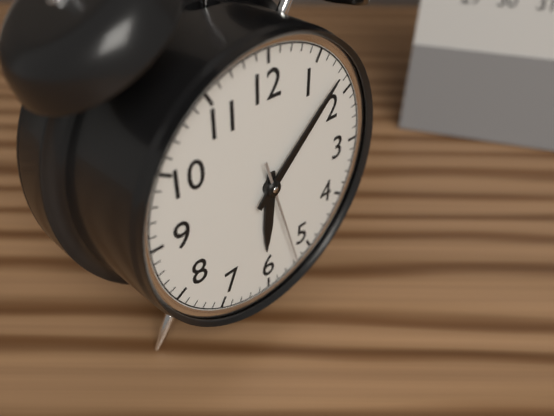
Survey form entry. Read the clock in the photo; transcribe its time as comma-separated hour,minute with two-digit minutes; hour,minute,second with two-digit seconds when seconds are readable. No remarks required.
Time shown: 6,08,27
